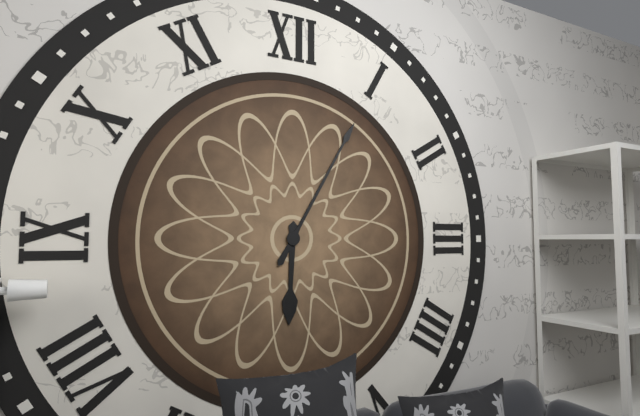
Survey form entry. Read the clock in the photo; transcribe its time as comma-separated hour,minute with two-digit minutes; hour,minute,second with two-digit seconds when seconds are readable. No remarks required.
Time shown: 6,05
